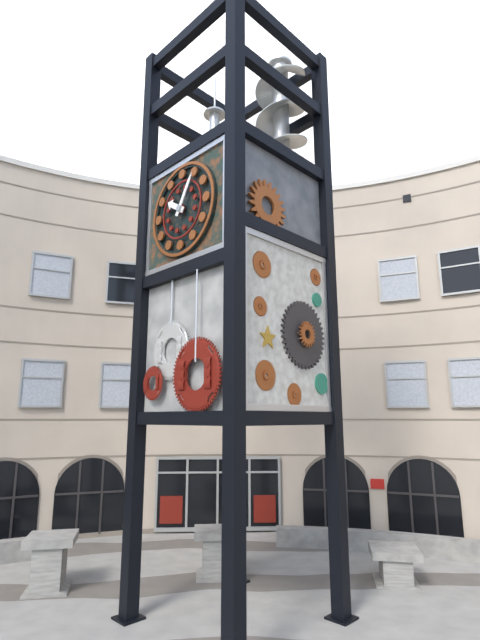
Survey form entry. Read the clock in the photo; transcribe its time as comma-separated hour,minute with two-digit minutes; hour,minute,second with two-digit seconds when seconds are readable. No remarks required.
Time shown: 10,05
